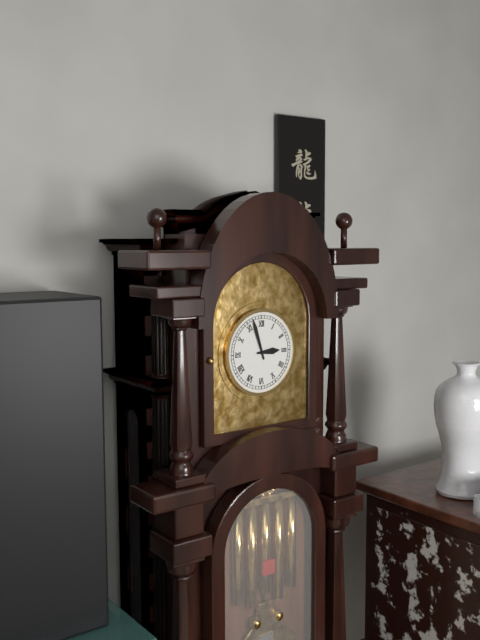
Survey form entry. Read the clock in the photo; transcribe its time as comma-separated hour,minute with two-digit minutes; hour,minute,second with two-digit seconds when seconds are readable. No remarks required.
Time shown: 2,57
